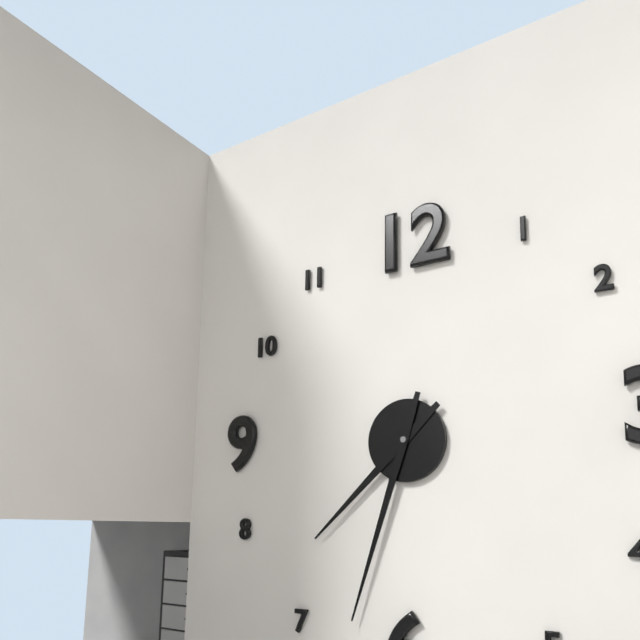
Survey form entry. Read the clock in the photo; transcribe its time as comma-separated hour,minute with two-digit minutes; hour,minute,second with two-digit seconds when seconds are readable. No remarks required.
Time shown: 7,33
